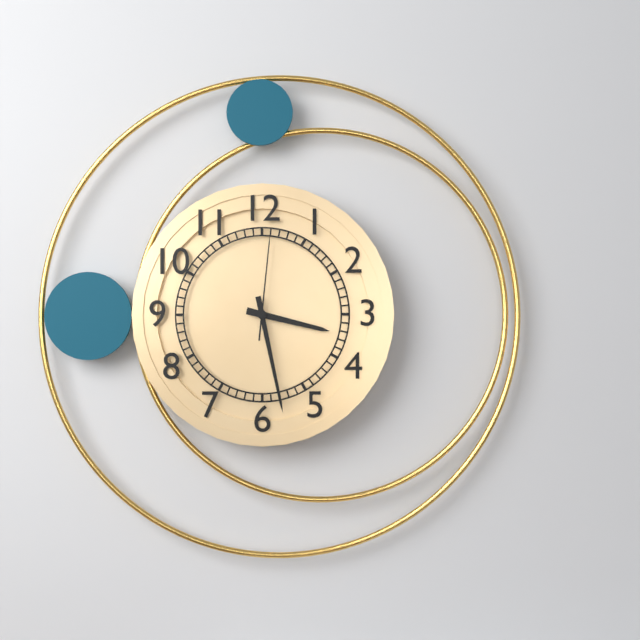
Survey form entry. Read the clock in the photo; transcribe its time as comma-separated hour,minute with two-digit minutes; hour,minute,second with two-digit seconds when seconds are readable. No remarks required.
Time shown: 3,28,01
